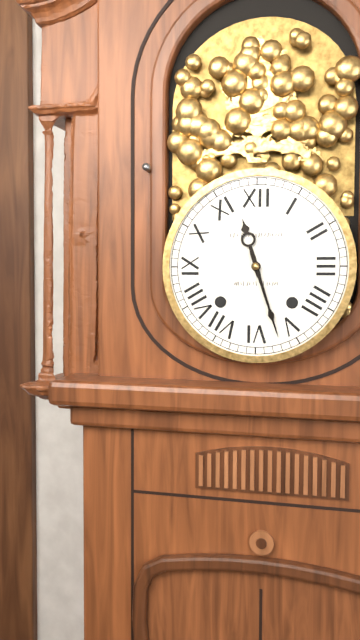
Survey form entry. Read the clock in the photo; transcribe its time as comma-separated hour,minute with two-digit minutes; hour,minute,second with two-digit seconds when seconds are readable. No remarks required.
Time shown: 11,27
